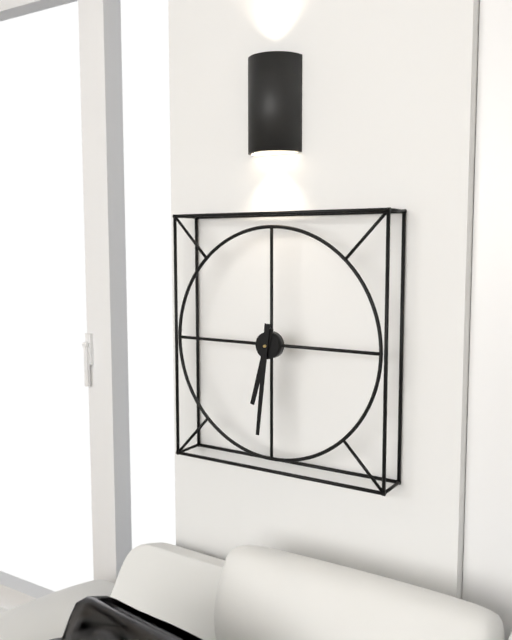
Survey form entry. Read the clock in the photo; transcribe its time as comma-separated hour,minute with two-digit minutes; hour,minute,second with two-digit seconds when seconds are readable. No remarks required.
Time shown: 6,31
